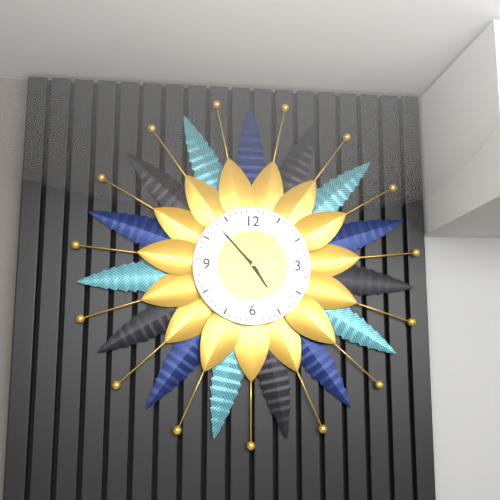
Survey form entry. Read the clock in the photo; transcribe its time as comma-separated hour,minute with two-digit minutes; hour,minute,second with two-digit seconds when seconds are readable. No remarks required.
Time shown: 4,53,05
